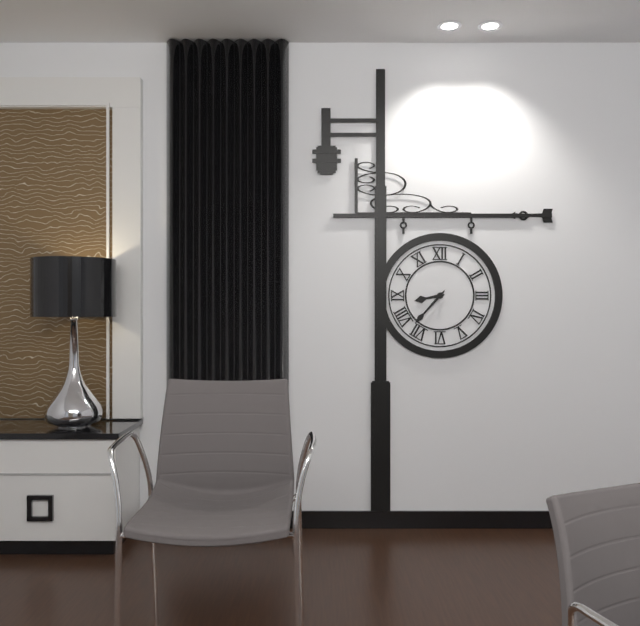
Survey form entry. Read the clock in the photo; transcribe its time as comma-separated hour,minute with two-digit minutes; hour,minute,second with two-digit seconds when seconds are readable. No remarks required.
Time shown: 8,37
